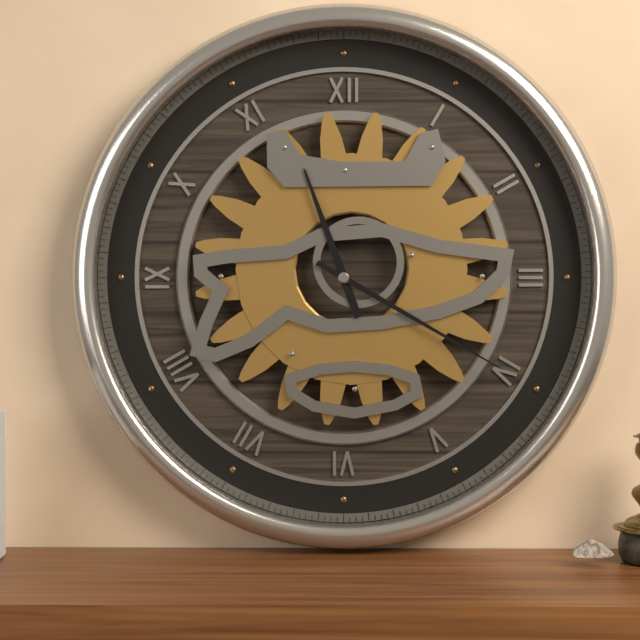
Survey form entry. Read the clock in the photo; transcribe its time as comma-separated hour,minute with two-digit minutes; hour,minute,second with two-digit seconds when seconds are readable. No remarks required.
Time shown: 11,20
